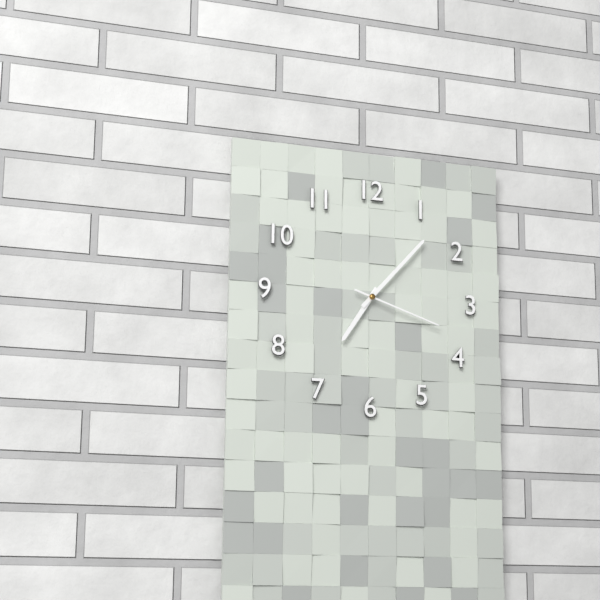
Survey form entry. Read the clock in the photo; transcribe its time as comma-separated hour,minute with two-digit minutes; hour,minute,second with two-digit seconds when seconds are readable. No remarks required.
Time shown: 7,07,18
